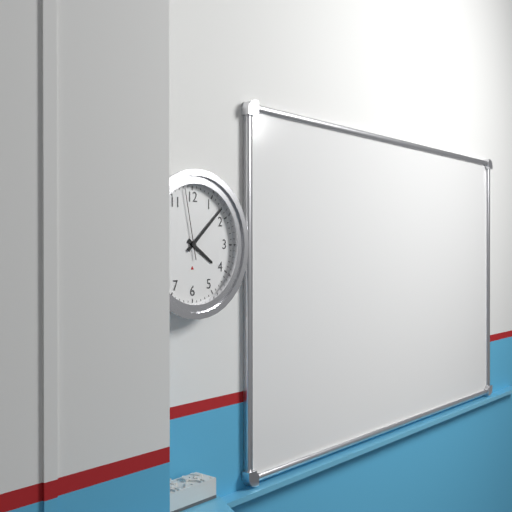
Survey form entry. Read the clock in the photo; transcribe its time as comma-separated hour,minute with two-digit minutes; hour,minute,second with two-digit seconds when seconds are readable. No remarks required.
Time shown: 4,08,58
